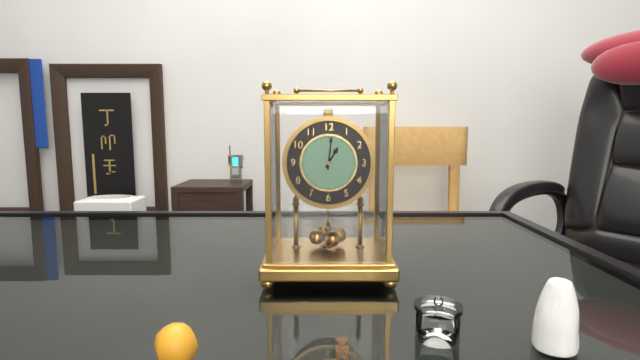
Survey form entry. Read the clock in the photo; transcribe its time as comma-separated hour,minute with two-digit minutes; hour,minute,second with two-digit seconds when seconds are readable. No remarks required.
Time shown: 1,01
